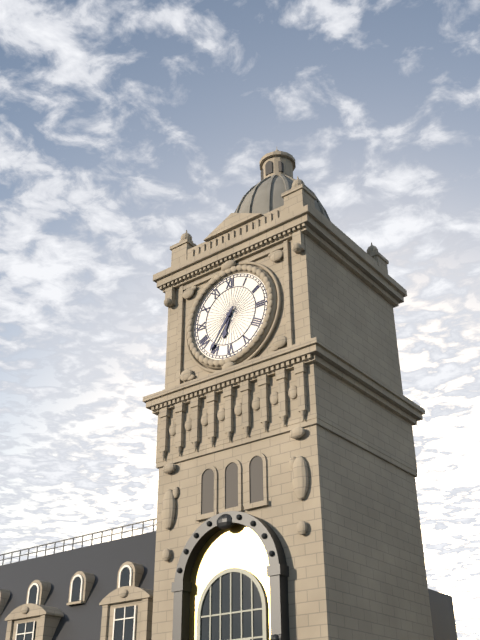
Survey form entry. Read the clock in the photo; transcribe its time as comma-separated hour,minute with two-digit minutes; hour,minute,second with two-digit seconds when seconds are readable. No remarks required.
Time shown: 6,36
